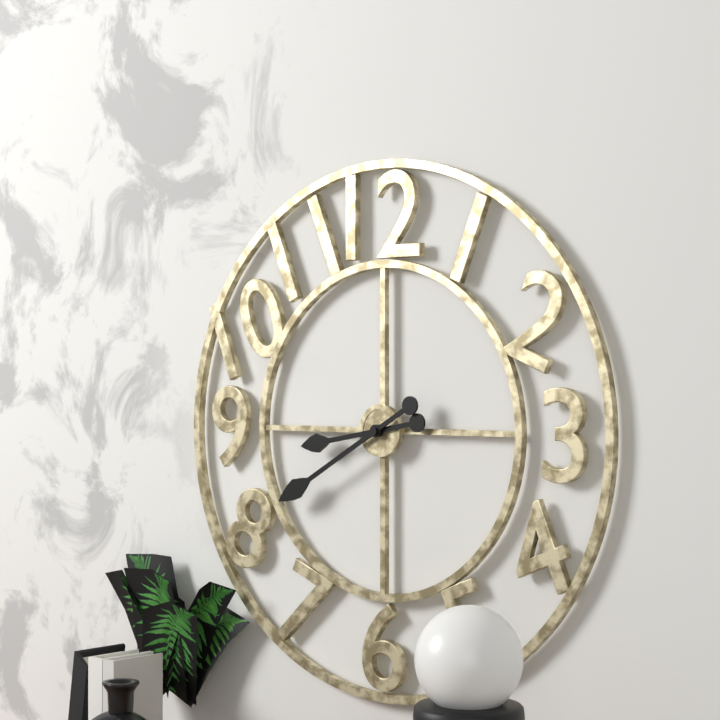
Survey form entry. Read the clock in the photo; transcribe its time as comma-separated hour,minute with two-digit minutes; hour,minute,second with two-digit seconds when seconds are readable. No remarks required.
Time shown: 8,40
